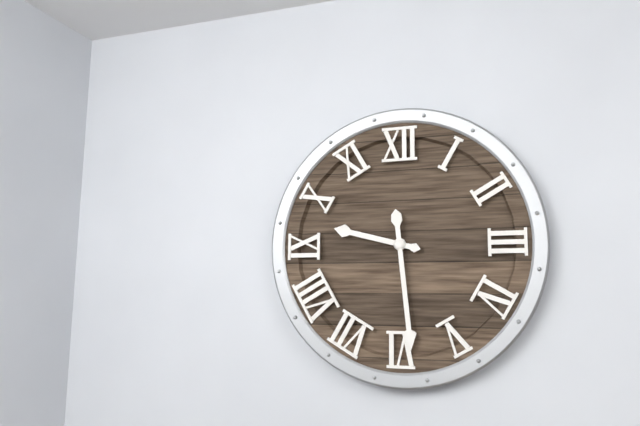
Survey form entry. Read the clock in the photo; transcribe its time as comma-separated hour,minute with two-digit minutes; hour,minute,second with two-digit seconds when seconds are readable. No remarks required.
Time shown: 9,29
